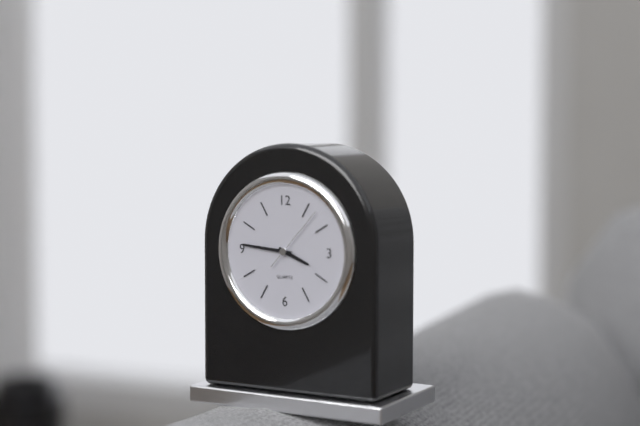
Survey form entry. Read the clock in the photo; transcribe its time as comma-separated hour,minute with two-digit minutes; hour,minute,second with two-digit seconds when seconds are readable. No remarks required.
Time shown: 3,46
